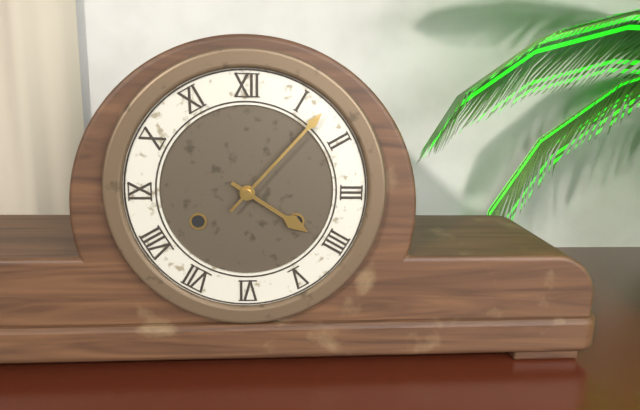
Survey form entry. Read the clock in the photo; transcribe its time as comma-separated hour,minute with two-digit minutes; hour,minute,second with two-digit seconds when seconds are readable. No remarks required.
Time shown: 4,07
